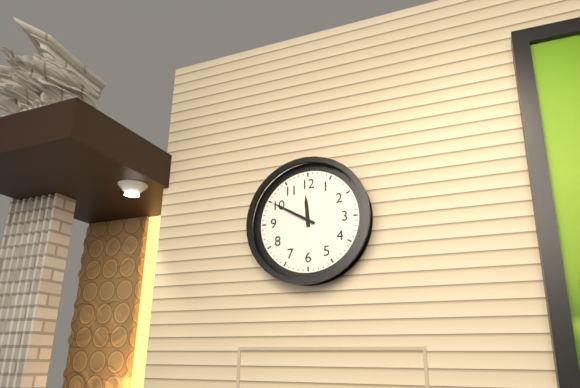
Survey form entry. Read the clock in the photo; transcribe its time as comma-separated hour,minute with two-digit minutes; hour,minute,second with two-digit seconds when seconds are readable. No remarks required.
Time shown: 11,50
